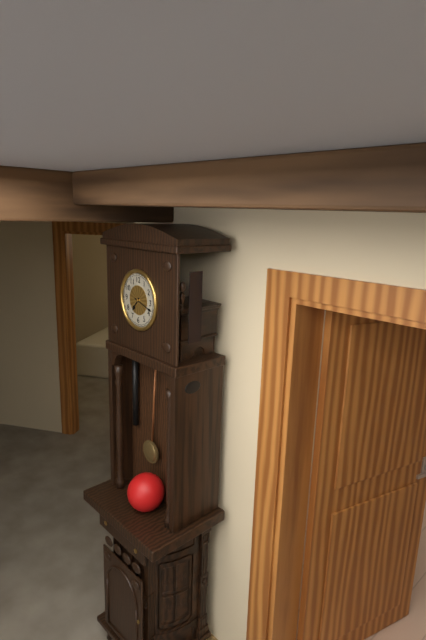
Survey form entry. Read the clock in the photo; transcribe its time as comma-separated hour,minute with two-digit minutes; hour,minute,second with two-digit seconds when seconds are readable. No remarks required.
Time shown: 7,18
